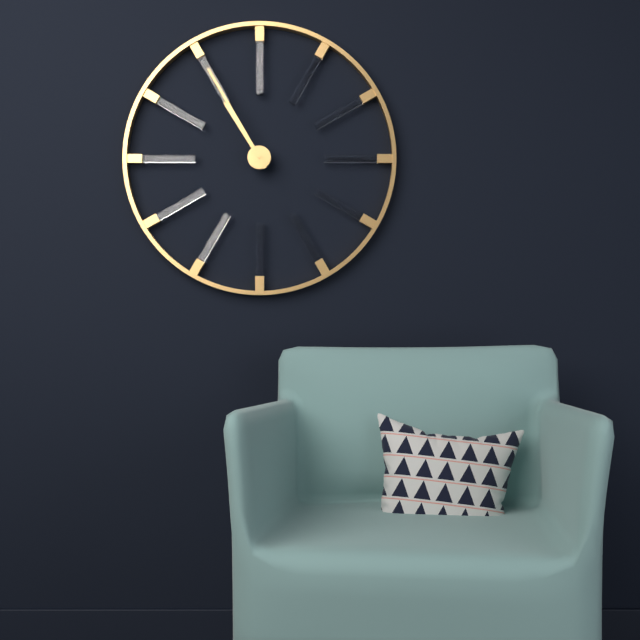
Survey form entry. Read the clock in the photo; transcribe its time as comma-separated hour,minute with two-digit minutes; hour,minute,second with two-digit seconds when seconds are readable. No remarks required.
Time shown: 10,55
